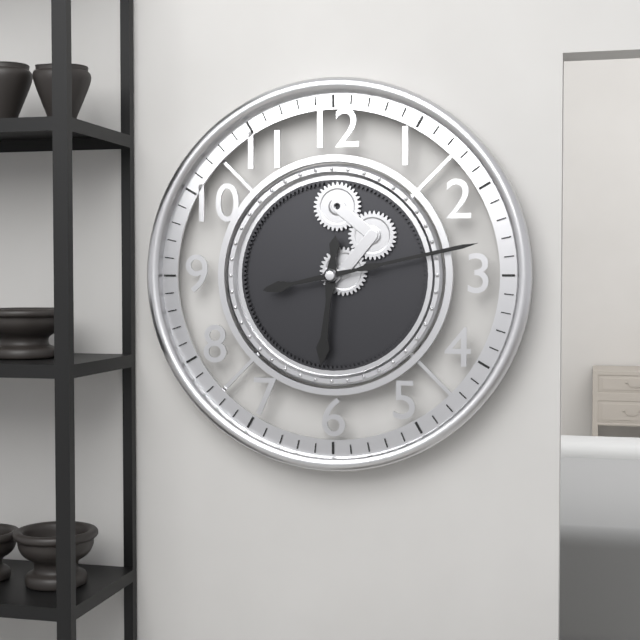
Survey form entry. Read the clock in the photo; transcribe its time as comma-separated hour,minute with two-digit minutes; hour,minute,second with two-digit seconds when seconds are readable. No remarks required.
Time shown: 6,13
